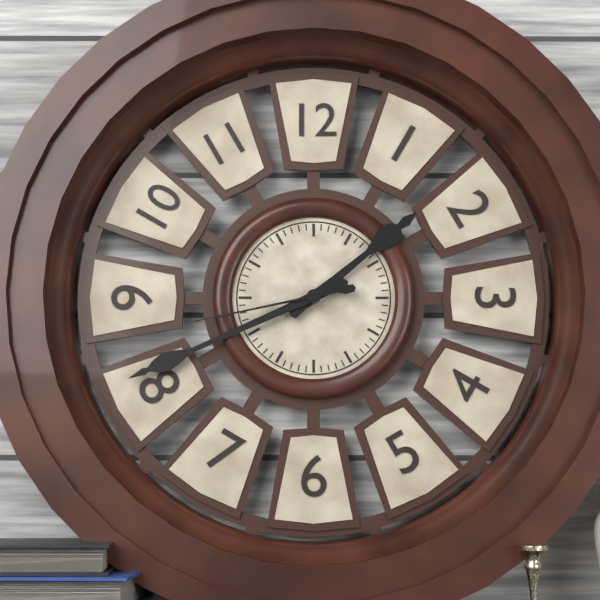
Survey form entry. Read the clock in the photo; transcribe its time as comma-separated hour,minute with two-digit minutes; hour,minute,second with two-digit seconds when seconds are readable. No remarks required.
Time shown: 1,41,43
